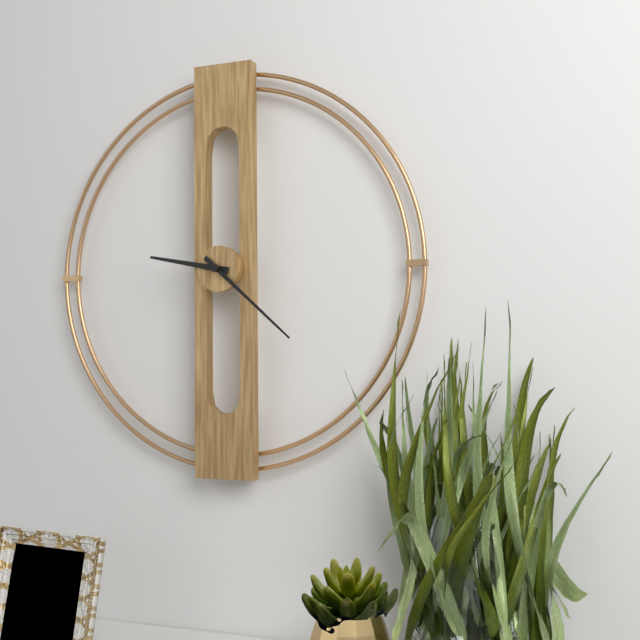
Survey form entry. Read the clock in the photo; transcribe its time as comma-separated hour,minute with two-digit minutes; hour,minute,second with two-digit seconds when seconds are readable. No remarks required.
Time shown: 9,22
